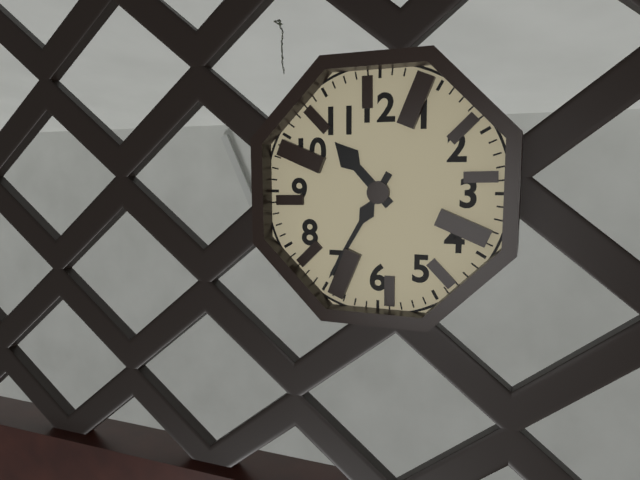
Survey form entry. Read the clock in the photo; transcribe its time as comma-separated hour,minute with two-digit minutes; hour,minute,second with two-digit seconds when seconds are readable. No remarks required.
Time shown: 10,35
